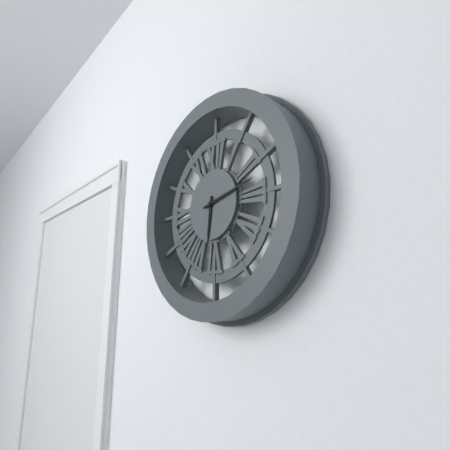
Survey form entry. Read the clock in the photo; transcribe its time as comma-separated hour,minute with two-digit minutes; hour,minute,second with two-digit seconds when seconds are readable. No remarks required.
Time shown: 6,13
